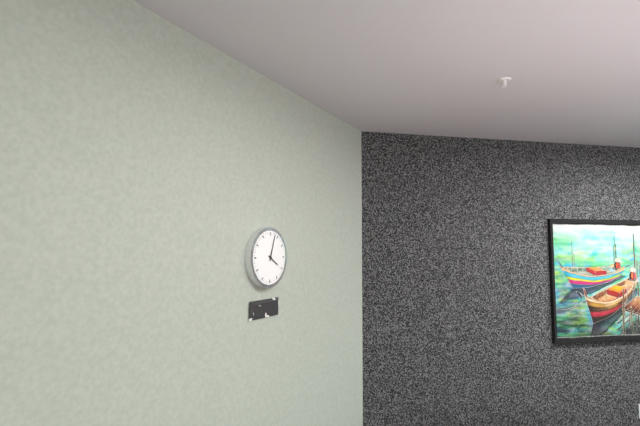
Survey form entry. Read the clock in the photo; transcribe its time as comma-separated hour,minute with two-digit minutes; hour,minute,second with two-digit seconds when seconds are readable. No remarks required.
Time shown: 4,03
